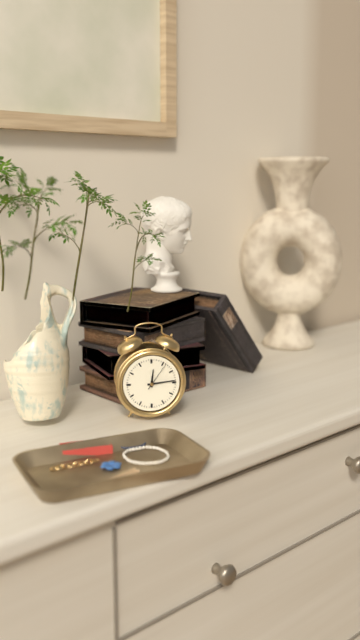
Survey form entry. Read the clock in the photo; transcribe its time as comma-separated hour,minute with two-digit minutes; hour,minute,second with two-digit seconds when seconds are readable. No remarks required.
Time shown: 12,14
